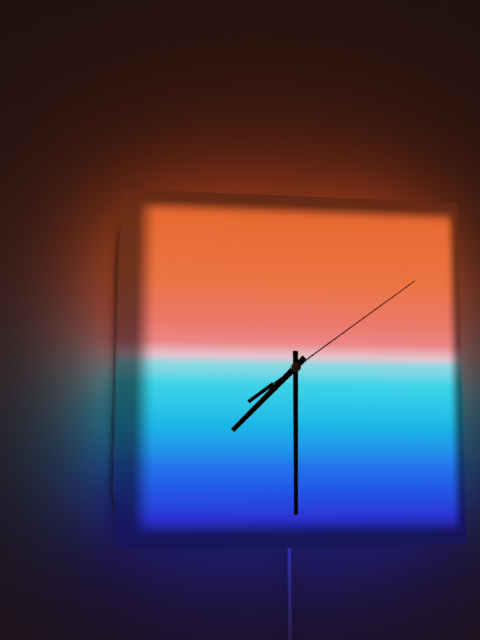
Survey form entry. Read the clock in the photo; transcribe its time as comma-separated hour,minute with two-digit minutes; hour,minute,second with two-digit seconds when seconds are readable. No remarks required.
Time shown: 7,30,09
